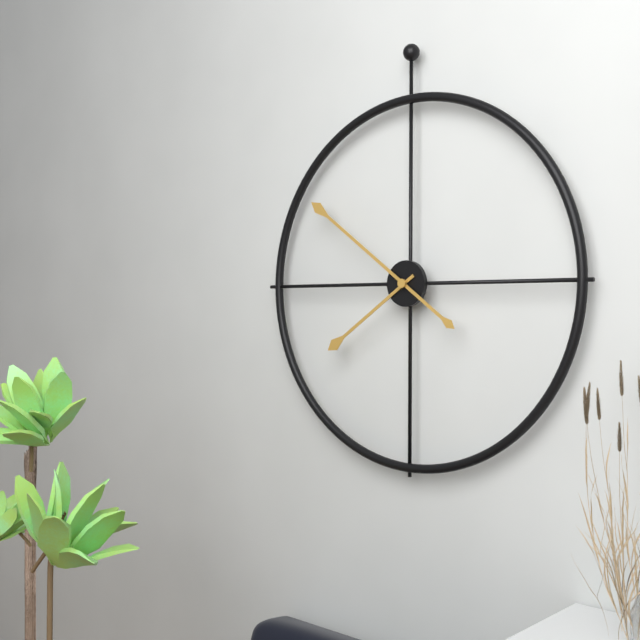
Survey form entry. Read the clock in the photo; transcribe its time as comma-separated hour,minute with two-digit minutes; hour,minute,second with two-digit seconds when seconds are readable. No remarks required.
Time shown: 7,51
